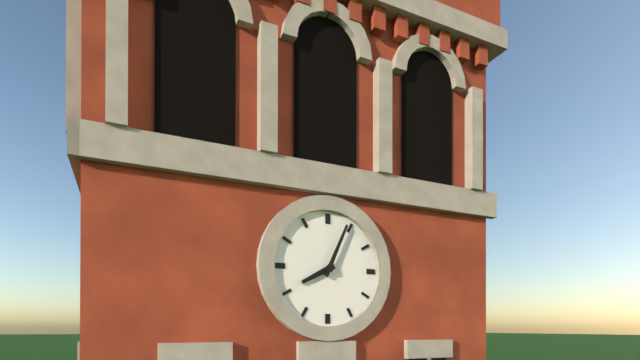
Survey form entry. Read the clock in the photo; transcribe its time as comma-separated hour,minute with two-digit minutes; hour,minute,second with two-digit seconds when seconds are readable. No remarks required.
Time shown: 8,04
